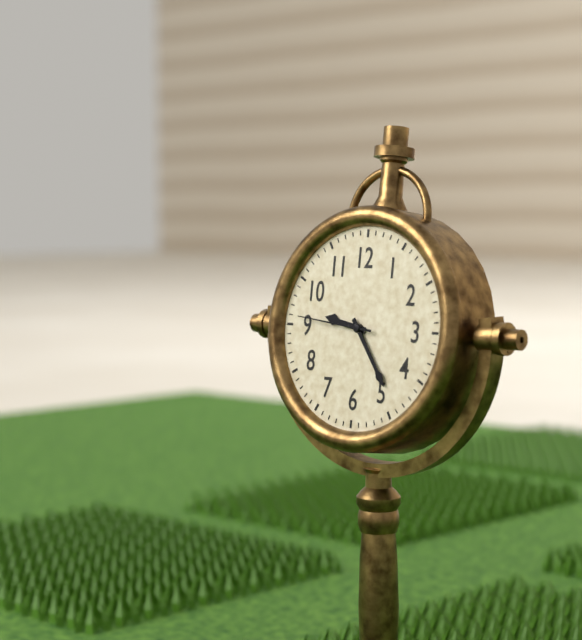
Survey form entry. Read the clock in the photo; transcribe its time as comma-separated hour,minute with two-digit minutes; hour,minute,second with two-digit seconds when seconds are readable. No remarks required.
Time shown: 9,24,46
